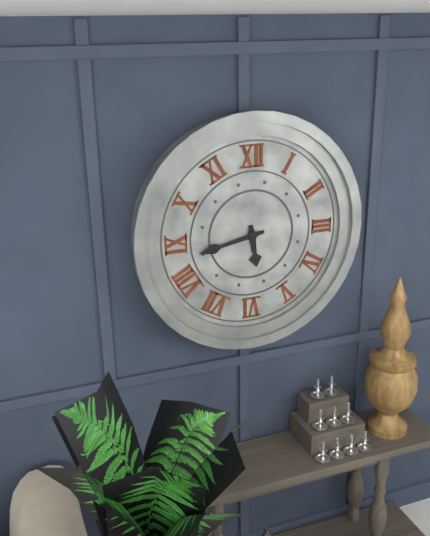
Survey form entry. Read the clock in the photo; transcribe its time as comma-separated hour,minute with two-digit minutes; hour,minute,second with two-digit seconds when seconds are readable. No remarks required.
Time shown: 5,43
